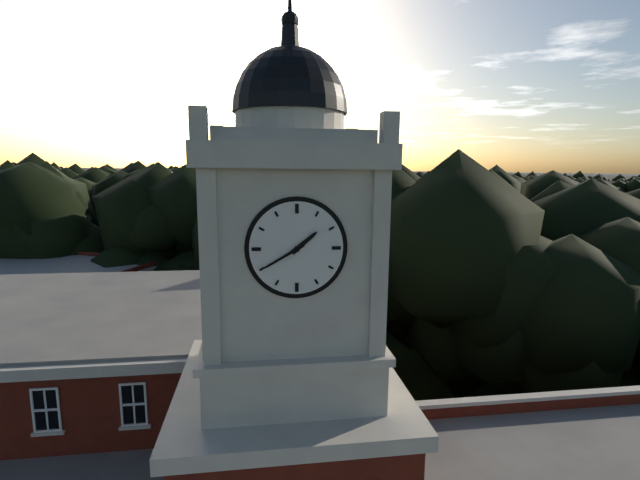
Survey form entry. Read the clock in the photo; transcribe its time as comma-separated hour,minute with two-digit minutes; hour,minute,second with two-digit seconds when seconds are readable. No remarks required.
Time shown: 1,40
